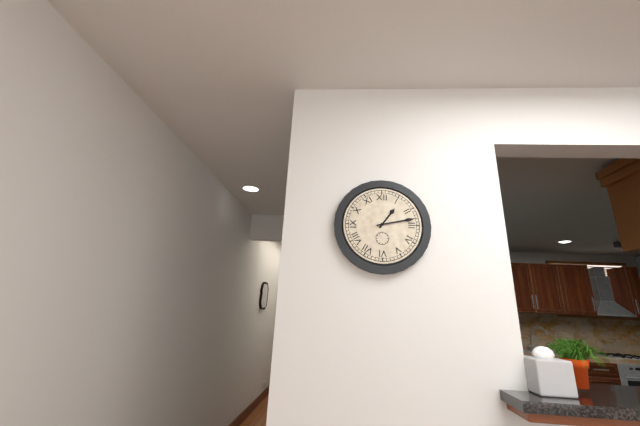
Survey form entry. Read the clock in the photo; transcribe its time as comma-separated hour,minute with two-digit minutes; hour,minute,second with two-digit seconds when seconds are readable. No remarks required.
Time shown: 1,13
